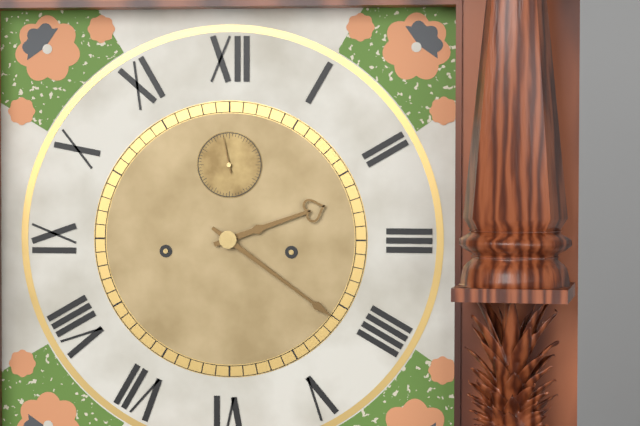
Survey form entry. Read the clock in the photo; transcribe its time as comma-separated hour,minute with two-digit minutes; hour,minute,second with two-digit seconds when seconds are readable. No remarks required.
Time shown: 2,21
